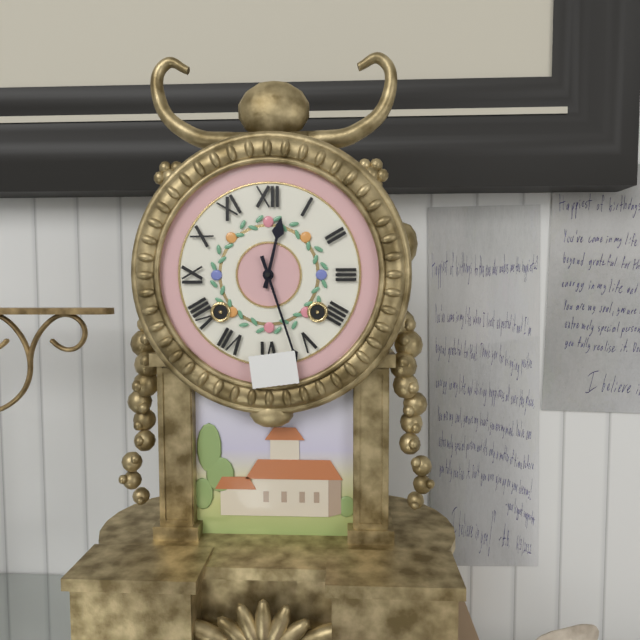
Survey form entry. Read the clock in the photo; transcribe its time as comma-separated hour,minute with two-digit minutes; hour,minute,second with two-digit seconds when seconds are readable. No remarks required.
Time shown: 12,27
